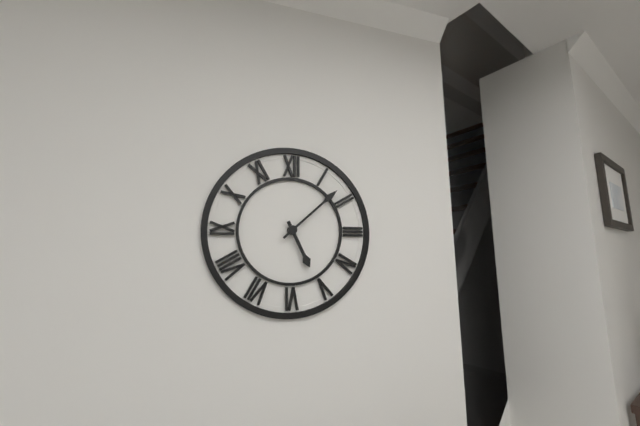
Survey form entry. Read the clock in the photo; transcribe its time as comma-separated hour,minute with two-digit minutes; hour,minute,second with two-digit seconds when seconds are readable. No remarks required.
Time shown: 5,08
